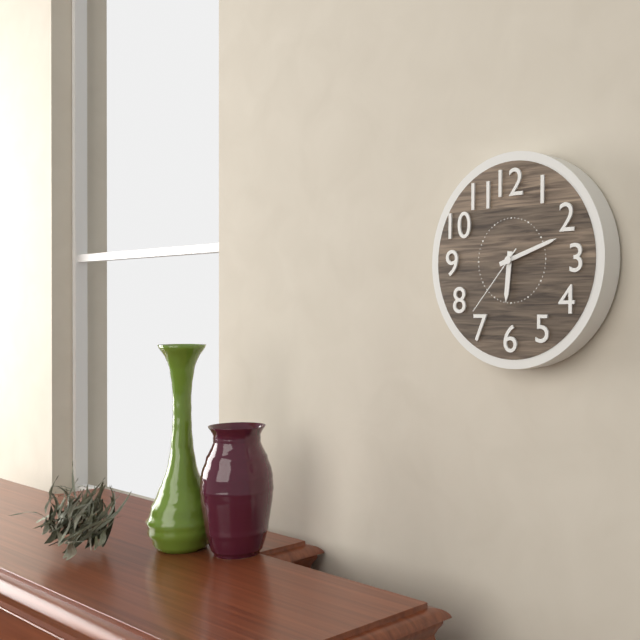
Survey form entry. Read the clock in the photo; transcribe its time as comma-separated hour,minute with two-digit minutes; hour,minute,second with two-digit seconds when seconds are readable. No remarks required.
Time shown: 6,12,37
